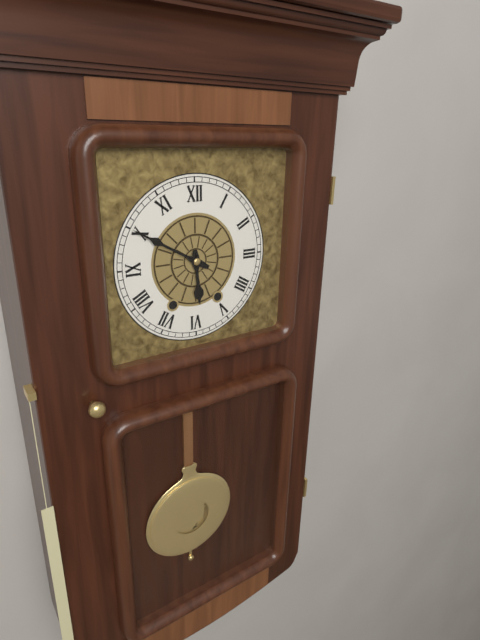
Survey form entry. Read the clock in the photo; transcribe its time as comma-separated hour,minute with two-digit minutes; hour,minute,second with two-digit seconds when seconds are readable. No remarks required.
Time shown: 5,50
